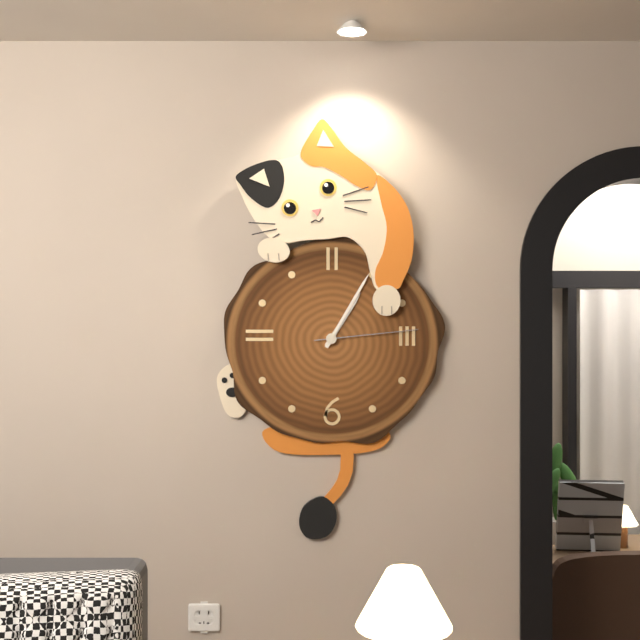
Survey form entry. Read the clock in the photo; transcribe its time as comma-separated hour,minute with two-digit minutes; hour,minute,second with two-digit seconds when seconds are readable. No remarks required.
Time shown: 1,05,14
